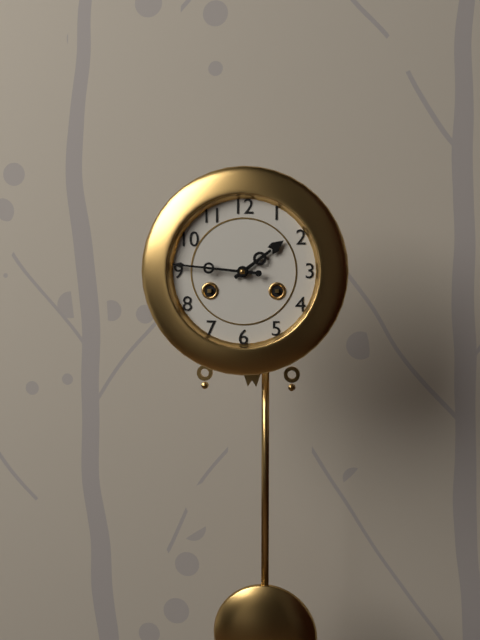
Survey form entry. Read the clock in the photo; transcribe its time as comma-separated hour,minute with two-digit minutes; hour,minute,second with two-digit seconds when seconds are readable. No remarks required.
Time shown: 1,46
